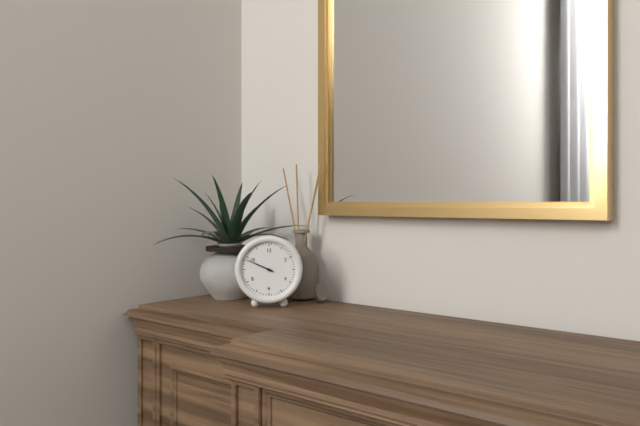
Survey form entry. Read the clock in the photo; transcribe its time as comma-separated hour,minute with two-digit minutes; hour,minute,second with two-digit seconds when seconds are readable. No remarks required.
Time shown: 9,49
